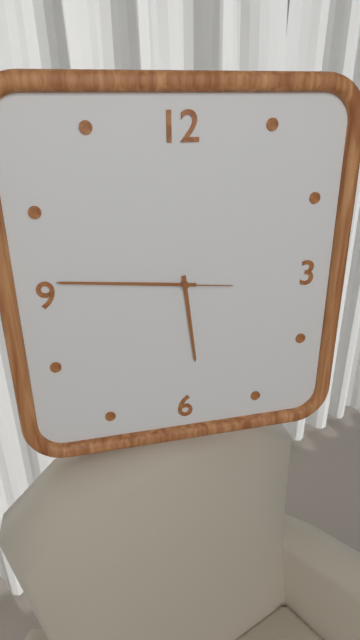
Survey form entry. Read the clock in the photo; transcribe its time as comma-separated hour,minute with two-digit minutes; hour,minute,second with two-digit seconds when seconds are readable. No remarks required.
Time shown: 5,46,16
